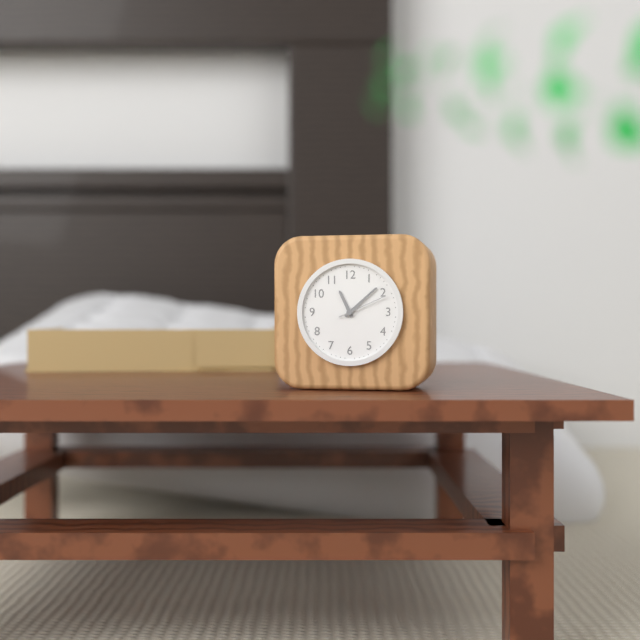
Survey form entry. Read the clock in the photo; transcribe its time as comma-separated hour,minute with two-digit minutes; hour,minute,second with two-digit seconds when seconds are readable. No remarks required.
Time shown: 11,08
